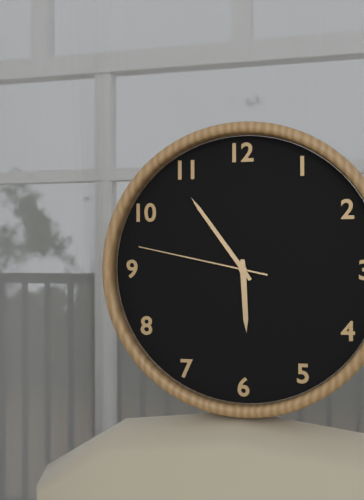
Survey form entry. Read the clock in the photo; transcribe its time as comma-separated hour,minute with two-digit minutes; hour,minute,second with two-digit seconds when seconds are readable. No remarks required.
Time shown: 5,54,47
